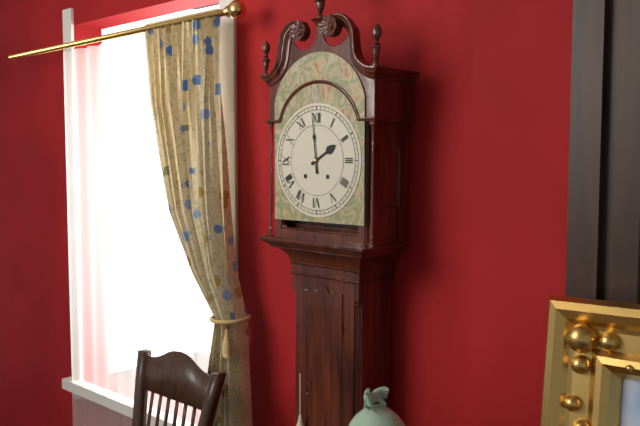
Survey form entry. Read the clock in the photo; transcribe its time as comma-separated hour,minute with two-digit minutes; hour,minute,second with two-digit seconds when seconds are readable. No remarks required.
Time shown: 1,59
